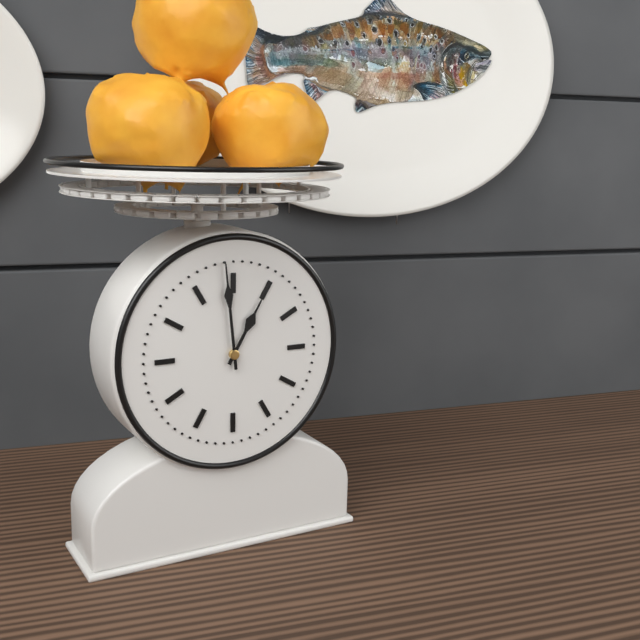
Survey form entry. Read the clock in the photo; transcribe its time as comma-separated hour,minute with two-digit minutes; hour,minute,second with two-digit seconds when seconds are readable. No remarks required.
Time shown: 12,59
